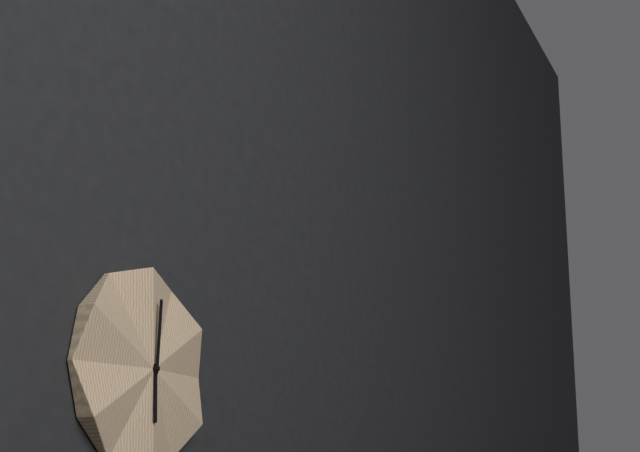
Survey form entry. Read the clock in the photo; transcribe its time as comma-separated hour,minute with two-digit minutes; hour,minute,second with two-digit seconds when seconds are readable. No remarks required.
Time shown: 6,01
